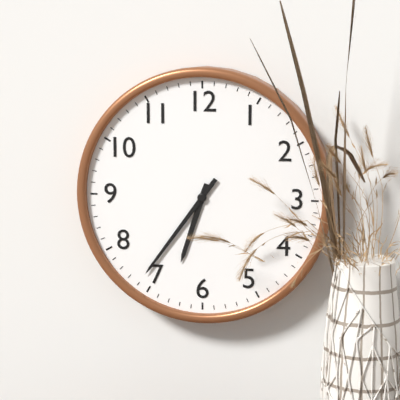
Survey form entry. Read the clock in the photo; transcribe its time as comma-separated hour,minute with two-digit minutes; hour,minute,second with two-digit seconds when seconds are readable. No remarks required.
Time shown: 6,36
